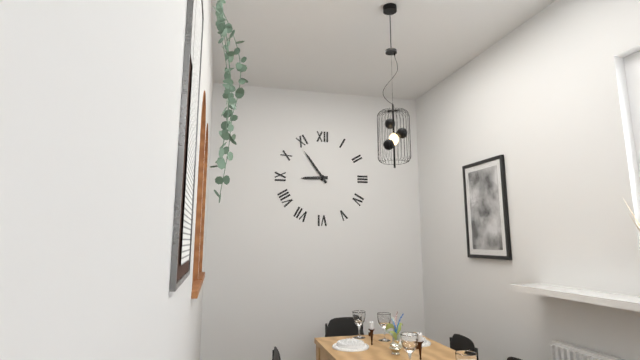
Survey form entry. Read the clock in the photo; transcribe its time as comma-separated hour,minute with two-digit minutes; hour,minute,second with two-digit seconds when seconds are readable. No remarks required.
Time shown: 8,54
